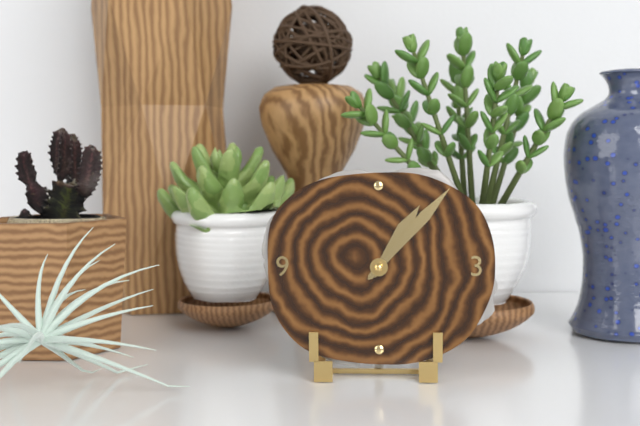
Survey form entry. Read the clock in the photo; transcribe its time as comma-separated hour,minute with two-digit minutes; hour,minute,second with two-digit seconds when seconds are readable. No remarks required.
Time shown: 1,07
